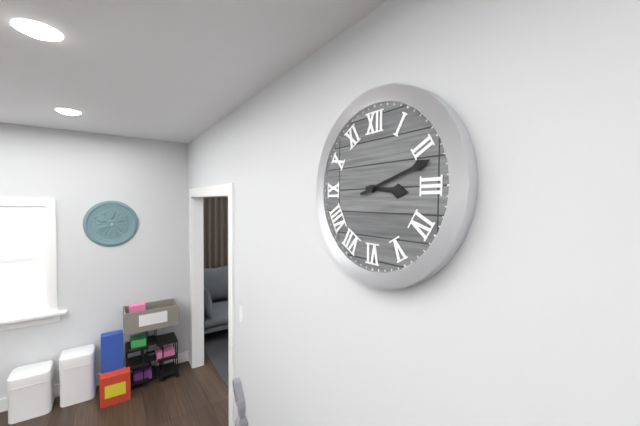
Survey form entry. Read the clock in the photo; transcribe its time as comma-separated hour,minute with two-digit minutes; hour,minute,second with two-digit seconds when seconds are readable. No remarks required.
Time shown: 3,12
